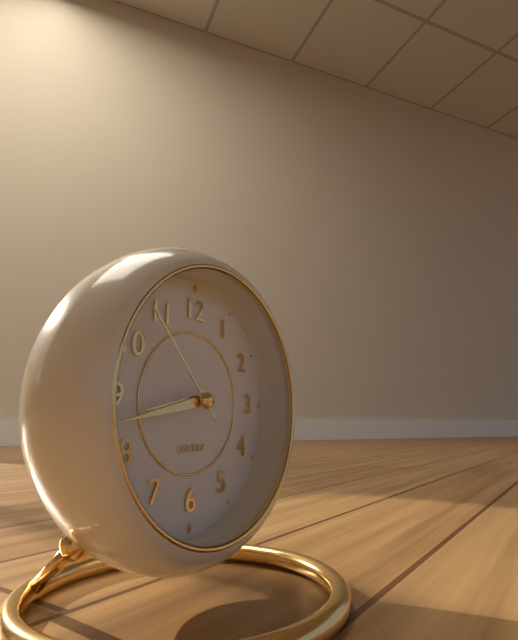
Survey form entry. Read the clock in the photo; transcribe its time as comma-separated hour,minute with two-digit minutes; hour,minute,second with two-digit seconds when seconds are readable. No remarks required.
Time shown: 8,43,53
